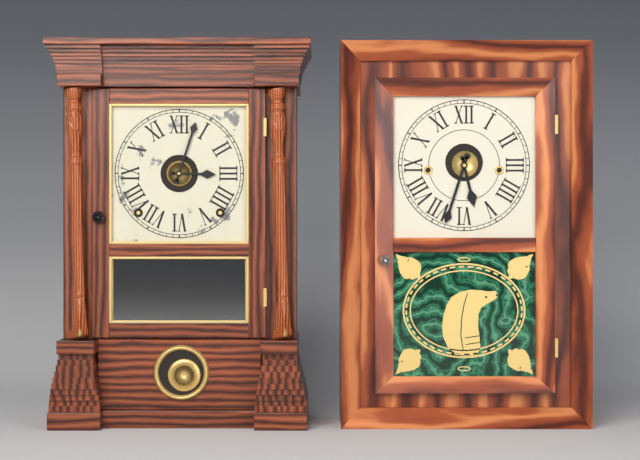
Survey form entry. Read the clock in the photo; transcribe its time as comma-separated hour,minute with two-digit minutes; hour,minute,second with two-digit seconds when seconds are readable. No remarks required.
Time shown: 3,03
